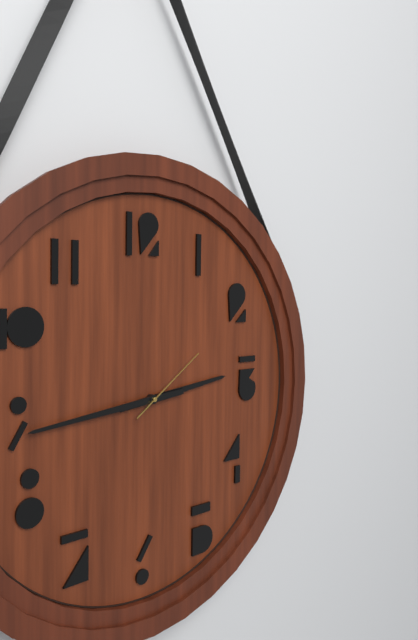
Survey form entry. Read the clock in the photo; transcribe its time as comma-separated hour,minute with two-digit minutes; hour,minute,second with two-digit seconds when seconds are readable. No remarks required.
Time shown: 2,44,09
